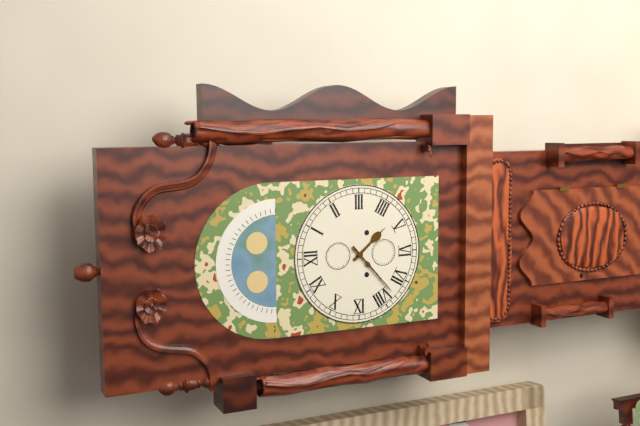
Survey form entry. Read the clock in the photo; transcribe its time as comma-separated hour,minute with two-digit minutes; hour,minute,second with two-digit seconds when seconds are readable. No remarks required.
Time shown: 4,38
